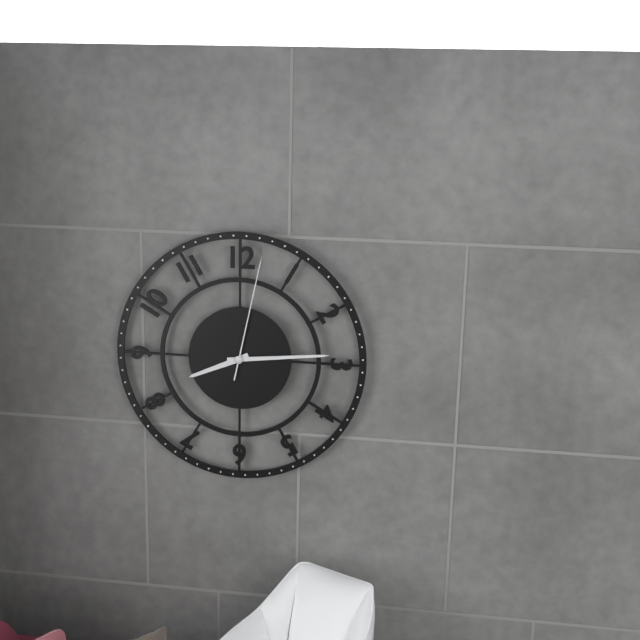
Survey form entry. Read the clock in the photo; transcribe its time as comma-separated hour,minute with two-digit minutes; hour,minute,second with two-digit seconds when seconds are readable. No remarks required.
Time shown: 8,14,02
